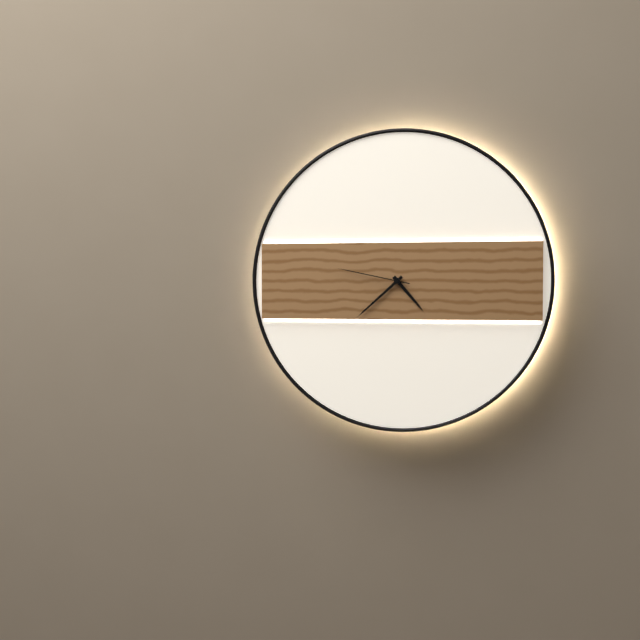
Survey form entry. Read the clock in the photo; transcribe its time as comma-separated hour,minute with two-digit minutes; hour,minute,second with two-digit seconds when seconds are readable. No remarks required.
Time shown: 4,38,47
